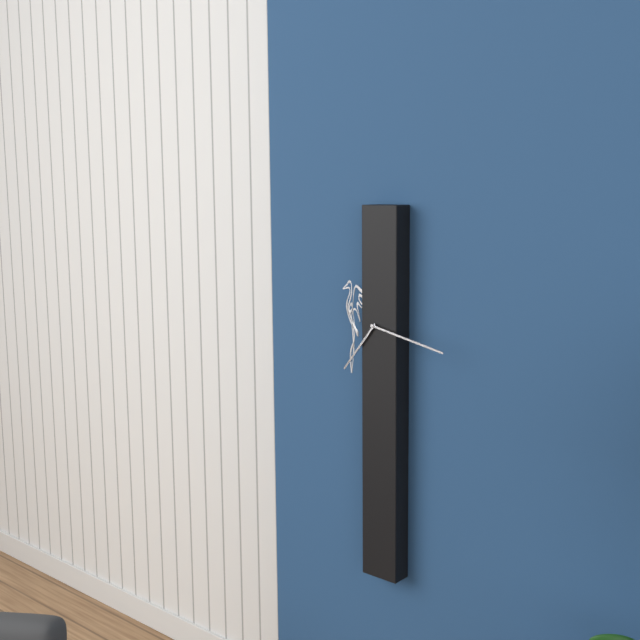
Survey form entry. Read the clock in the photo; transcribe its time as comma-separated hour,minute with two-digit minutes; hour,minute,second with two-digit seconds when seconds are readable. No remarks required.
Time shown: 7,17
